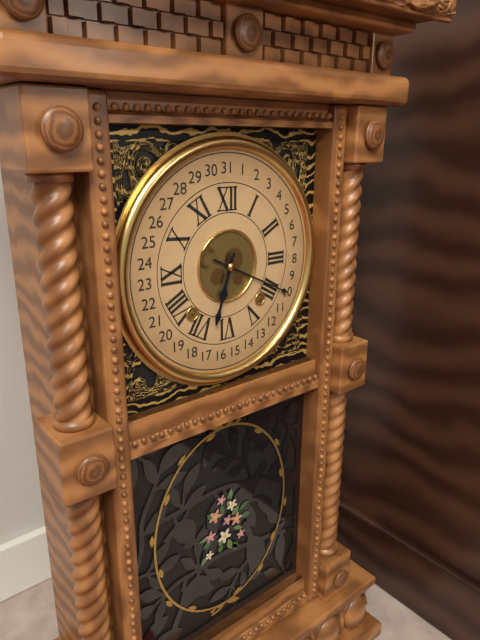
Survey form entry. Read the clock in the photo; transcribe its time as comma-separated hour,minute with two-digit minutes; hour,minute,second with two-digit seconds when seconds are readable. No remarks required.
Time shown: 6,33
